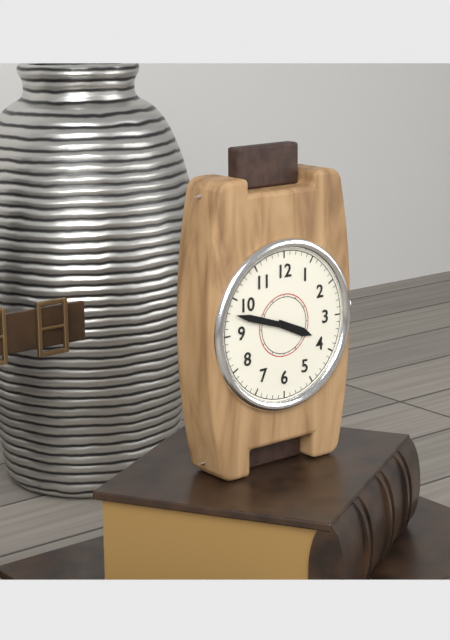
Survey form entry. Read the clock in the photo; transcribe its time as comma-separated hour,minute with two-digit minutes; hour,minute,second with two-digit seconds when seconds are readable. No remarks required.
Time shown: 3,48
